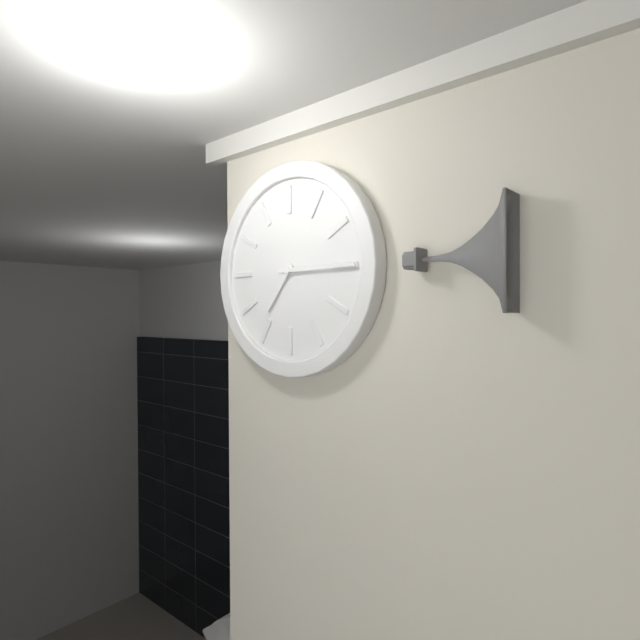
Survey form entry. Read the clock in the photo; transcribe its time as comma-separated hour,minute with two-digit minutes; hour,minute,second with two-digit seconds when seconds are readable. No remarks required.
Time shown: 7,15
